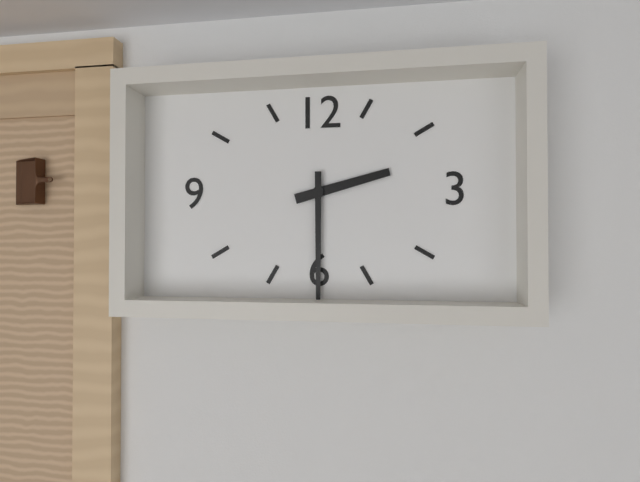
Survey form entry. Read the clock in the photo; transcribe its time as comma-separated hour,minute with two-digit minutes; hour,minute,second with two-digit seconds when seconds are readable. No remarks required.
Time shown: 2,30
